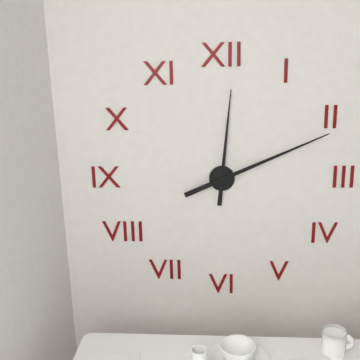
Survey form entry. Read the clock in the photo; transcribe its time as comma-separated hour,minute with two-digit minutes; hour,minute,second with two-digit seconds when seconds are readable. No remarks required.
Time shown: 12,11
